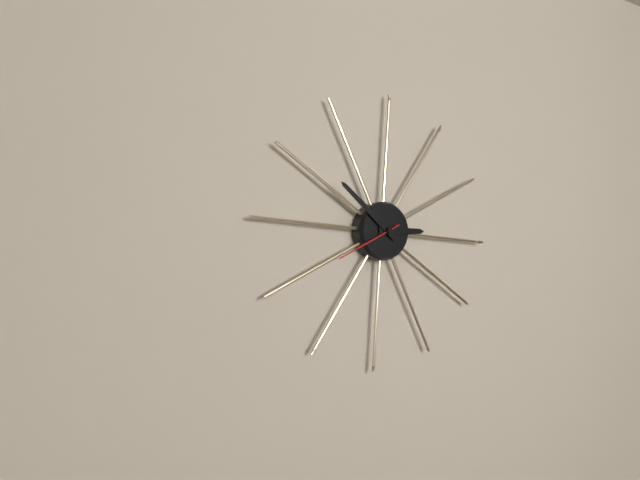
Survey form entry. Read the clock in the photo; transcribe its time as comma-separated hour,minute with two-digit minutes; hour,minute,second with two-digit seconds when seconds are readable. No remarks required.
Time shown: 2,51,40
